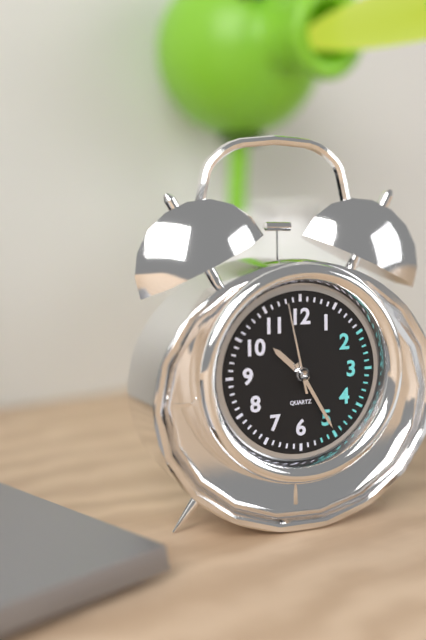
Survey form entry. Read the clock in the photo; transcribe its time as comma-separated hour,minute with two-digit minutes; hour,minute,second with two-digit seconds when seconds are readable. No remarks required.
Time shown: 10,25,58
